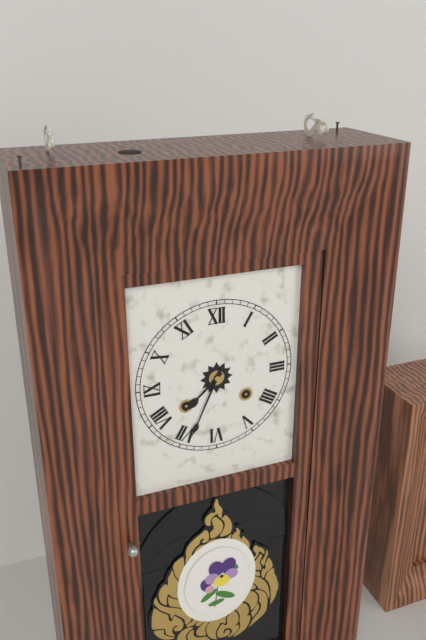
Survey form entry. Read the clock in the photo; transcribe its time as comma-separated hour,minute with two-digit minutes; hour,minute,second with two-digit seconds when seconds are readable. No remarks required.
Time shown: 7,34
